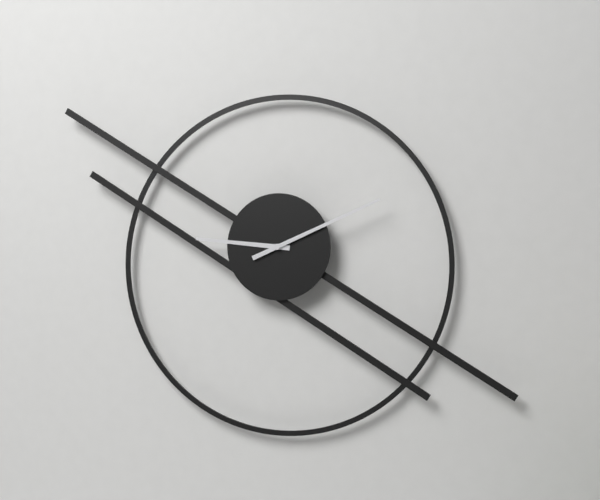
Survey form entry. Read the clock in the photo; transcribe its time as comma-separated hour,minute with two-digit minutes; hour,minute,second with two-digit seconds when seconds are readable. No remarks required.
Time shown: 9,11
